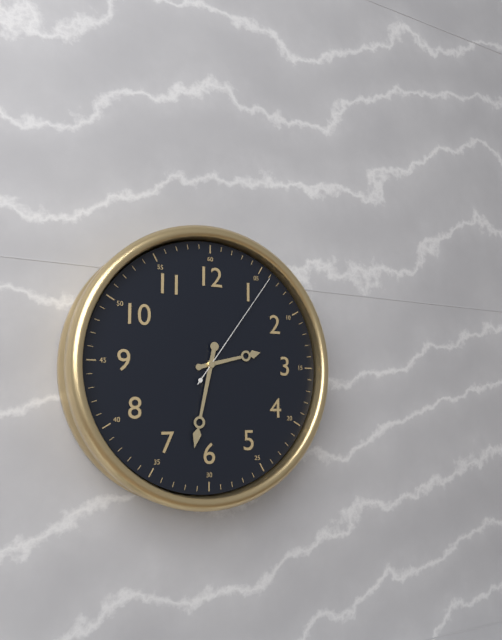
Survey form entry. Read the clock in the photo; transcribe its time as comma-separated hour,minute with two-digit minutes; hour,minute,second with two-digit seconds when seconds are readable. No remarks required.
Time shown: 2,32,06
